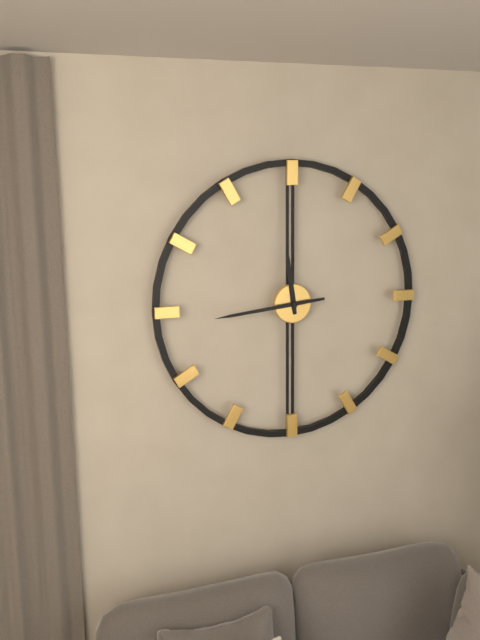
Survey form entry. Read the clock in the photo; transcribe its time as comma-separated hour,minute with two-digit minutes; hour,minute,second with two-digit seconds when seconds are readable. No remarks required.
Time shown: 11,44
